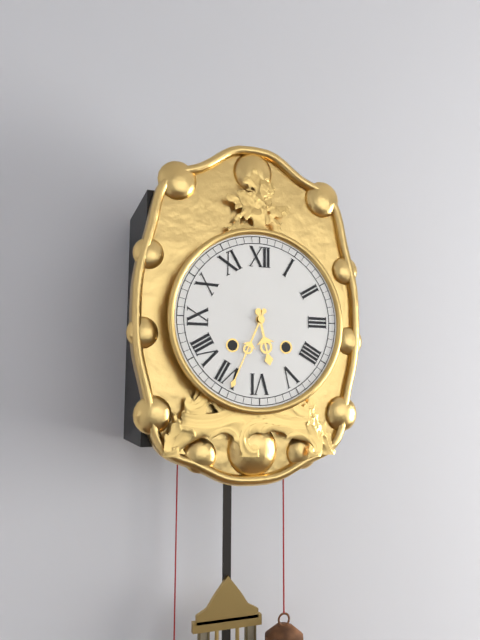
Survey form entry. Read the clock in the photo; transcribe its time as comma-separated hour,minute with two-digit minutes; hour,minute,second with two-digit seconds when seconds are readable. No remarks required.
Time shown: 5,34
